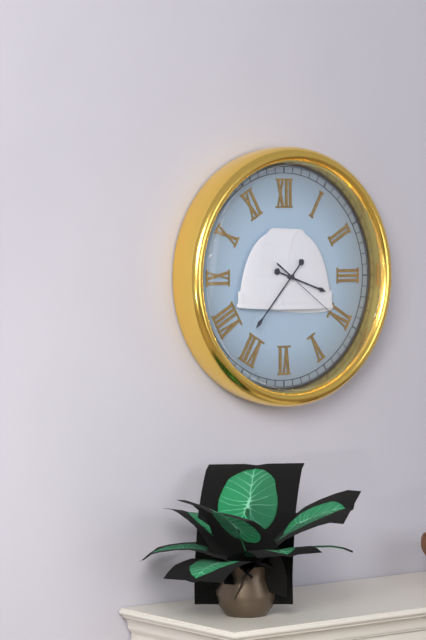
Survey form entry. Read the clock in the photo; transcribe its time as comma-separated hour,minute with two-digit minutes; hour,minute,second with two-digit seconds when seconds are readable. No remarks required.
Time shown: 3,37,21
